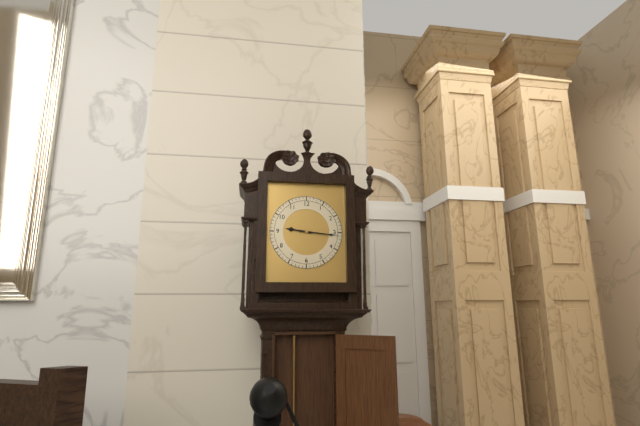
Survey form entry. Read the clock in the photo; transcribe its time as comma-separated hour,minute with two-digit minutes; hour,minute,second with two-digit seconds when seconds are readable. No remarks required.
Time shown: 9,16
